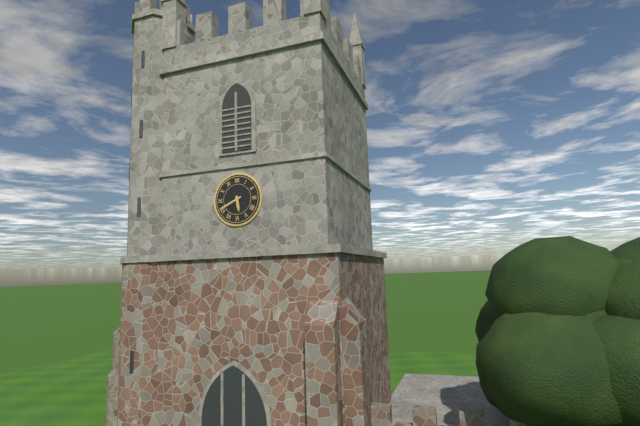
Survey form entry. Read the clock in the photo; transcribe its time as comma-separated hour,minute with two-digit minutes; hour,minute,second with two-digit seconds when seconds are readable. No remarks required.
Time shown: 5,41
